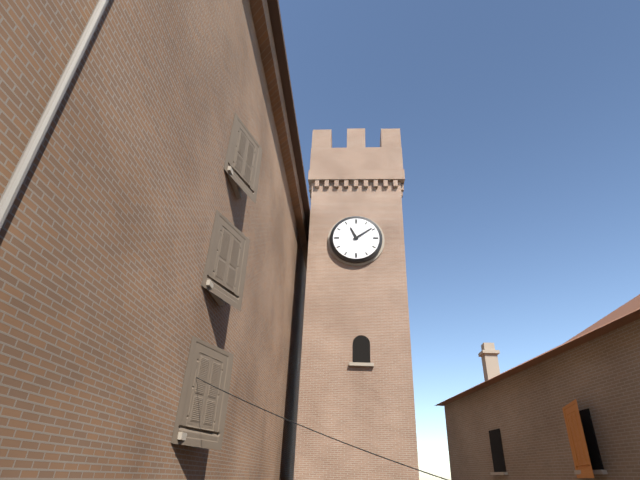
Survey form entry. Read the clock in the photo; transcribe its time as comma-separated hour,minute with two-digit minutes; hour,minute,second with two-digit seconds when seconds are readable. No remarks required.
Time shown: 11,09
